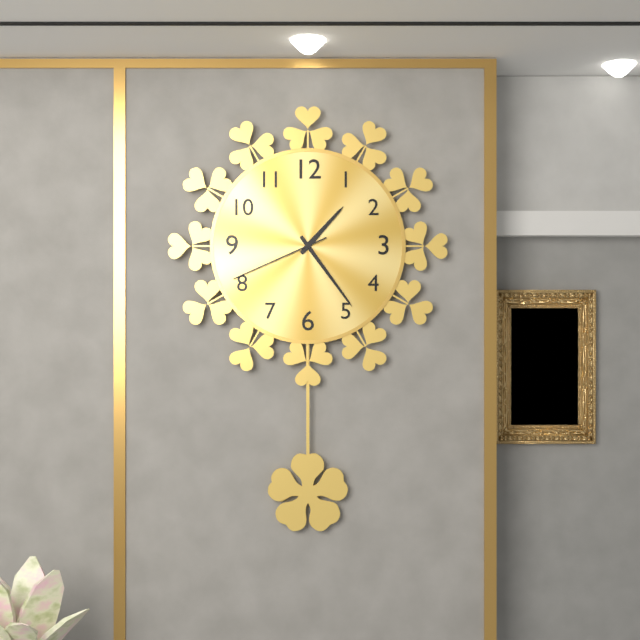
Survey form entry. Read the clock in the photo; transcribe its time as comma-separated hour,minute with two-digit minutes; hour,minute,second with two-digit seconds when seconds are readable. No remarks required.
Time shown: 1,24,41
